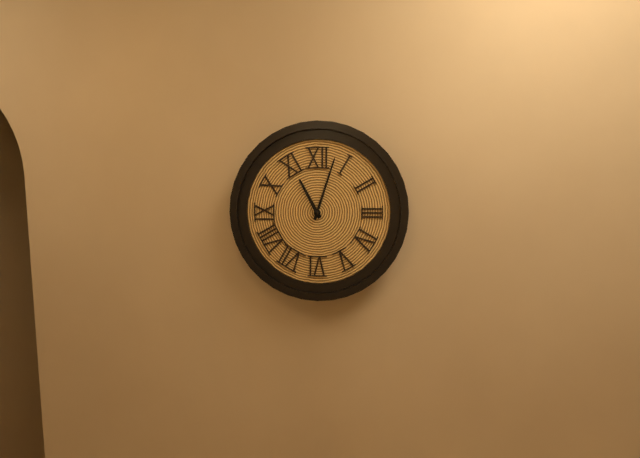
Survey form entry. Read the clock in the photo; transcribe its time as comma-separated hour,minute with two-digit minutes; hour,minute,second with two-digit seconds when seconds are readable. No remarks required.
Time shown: 11,03
